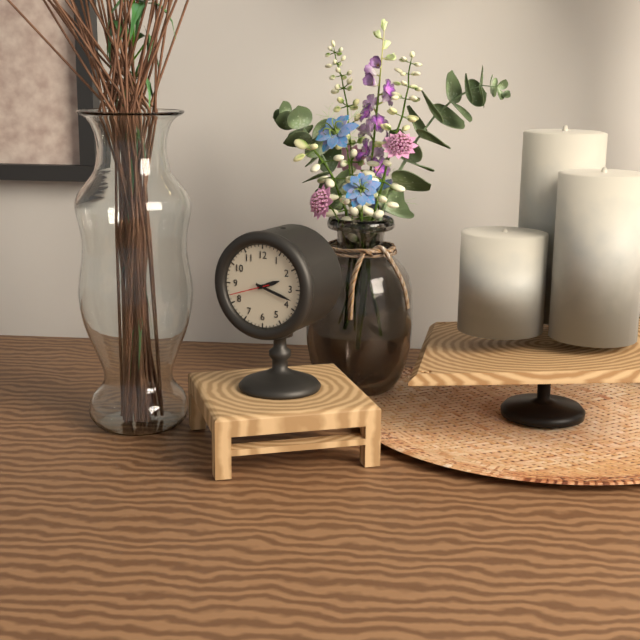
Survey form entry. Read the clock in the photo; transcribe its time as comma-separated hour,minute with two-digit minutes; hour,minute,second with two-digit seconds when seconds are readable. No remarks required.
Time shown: 2,18
